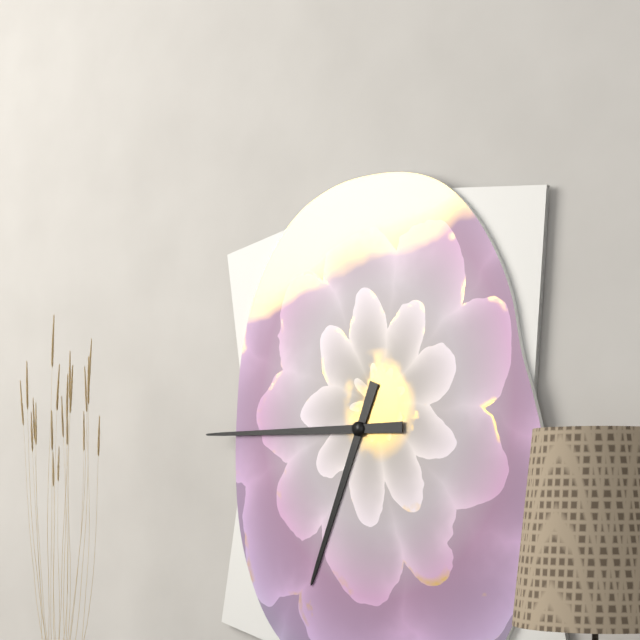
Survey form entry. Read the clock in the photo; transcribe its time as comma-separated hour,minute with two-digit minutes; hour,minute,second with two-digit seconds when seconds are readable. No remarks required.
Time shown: 6,45
